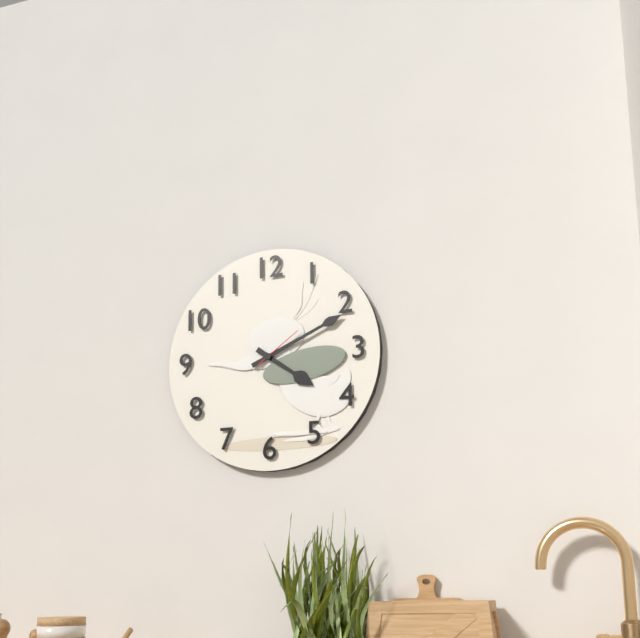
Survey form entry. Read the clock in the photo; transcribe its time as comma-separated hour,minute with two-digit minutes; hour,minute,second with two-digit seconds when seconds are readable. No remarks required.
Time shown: 4,11,09
